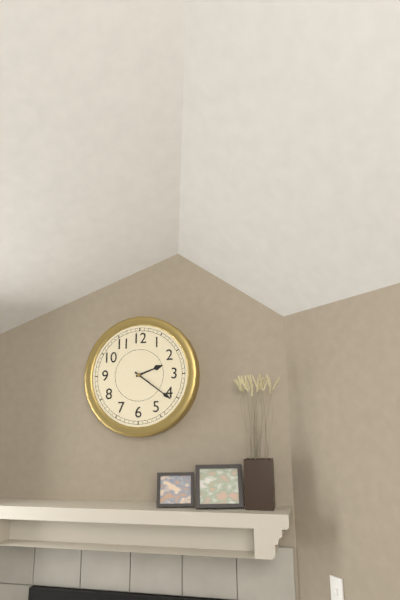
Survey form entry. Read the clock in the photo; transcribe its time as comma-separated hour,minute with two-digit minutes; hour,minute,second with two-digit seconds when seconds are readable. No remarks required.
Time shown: 2,21
